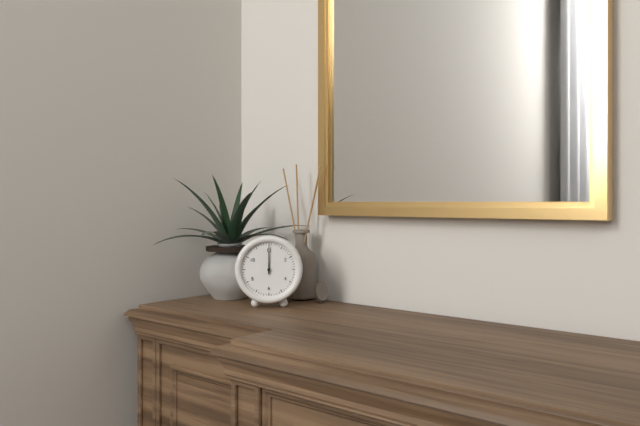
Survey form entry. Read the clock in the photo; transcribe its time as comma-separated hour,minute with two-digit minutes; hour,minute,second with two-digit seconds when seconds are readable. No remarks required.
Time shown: 12,00
